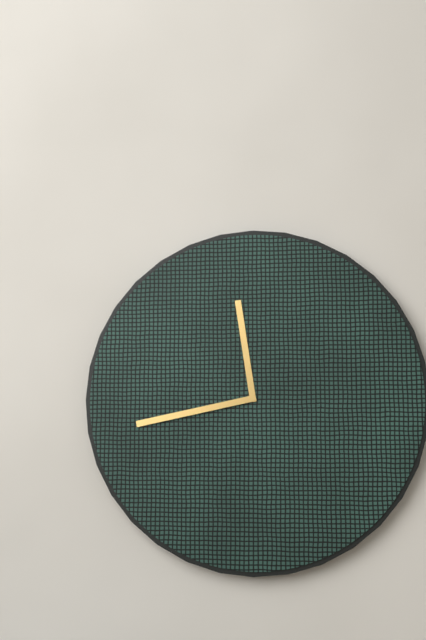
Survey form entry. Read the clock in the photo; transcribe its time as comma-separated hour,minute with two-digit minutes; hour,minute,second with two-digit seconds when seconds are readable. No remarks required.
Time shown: 11,43
